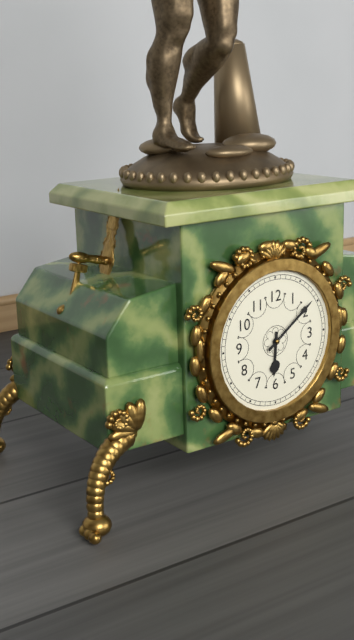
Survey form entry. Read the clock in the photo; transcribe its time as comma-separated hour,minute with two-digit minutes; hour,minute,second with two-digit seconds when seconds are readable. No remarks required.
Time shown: 6,09
